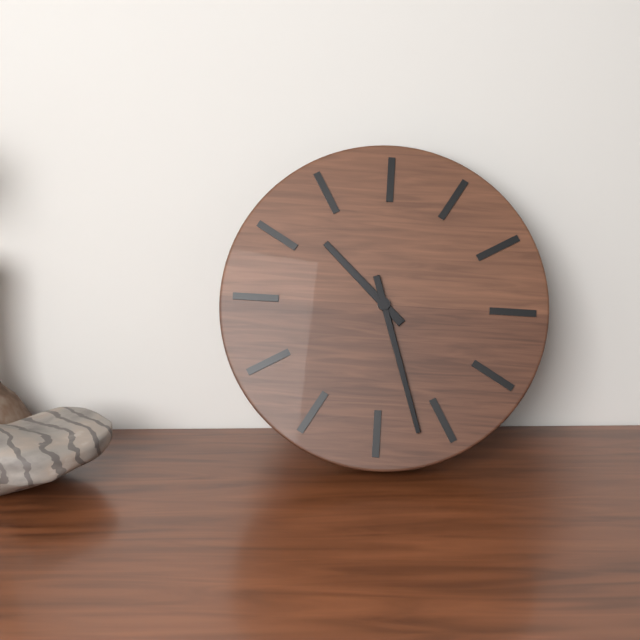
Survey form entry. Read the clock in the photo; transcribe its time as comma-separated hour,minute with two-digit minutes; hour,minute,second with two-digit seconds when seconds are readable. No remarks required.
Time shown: 10,27
